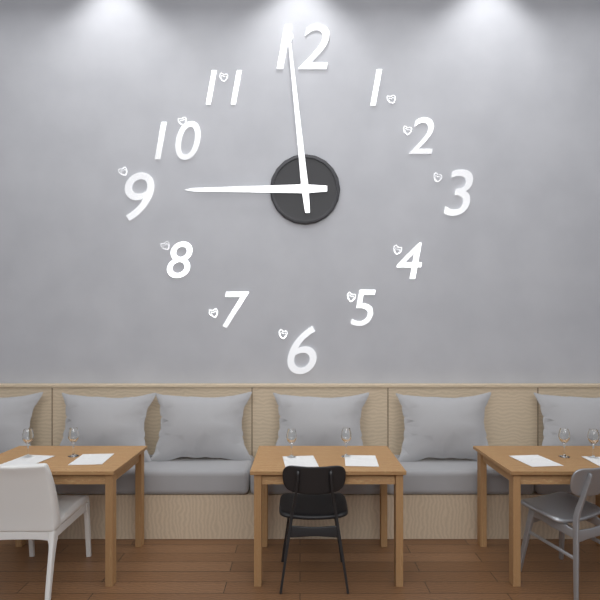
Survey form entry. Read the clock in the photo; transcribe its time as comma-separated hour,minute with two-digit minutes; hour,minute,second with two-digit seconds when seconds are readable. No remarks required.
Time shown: 8,59
